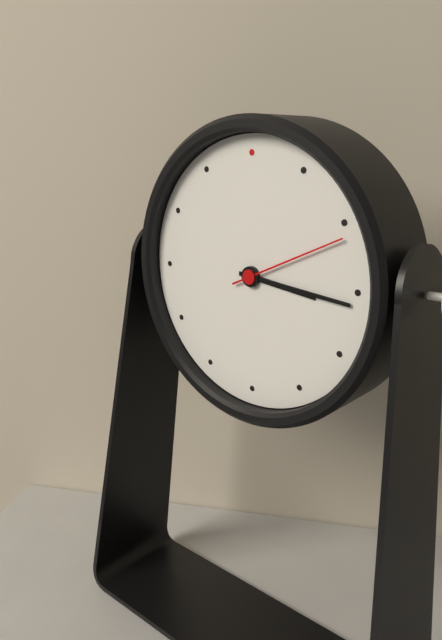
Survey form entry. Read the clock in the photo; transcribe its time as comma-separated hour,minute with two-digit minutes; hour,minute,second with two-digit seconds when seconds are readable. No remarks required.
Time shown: 3,16,11
